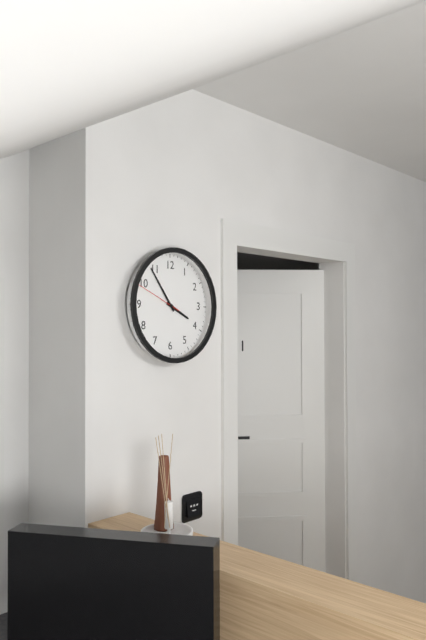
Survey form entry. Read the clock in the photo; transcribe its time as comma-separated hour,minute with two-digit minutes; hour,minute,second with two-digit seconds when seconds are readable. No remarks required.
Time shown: 3,54
